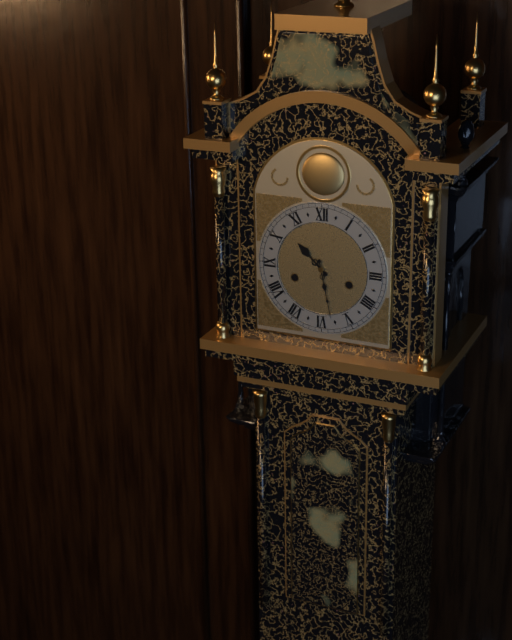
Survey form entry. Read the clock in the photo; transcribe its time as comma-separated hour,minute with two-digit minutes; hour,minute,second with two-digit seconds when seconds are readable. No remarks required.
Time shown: 10,28
